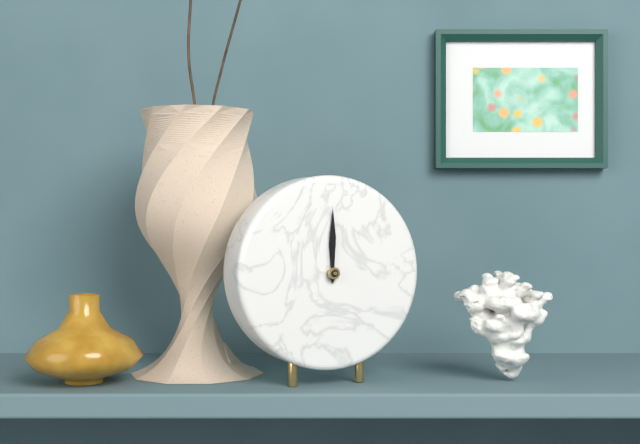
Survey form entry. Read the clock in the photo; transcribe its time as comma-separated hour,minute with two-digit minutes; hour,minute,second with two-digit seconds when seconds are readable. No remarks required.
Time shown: 12,00
